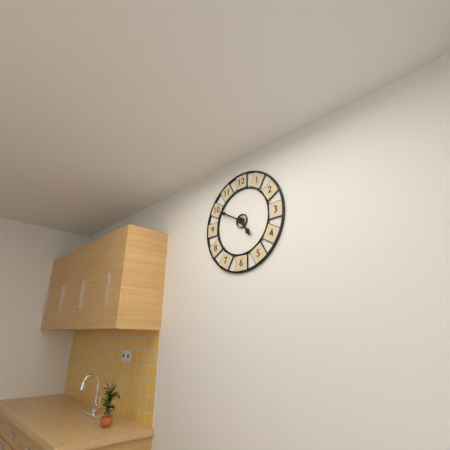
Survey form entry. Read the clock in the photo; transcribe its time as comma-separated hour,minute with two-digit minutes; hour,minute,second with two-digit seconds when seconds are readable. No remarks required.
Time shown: 4,50
